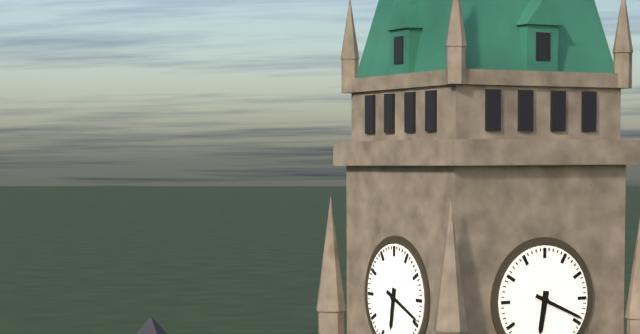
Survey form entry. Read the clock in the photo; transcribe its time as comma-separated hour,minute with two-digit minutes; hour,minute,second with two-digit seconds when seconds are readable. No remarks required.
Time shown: 6,19
